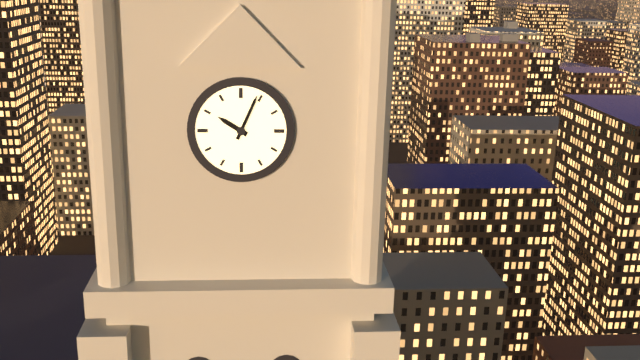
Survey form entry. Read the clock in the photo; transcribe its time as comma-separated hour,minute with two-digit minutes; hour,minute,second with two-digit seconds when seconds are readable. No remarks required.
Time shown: 10,04
